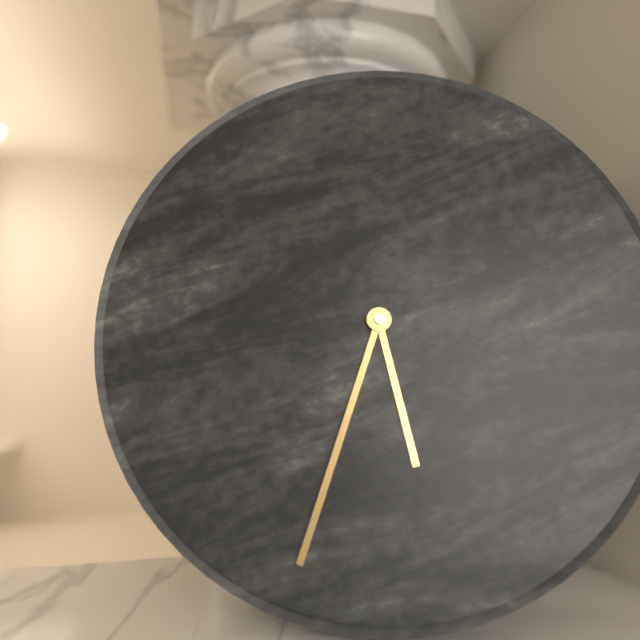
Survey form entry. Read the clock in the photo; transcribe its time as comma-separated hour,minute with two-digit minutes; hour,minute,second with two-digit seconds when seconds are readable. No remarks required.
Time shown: 5,33
